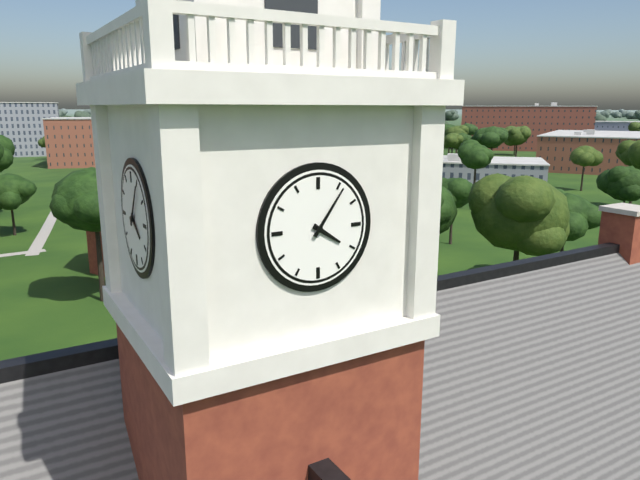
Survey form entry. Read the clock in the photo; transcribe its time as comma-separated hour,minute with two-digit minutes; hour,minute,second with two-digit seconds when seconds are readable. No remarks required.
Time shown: 4,06
